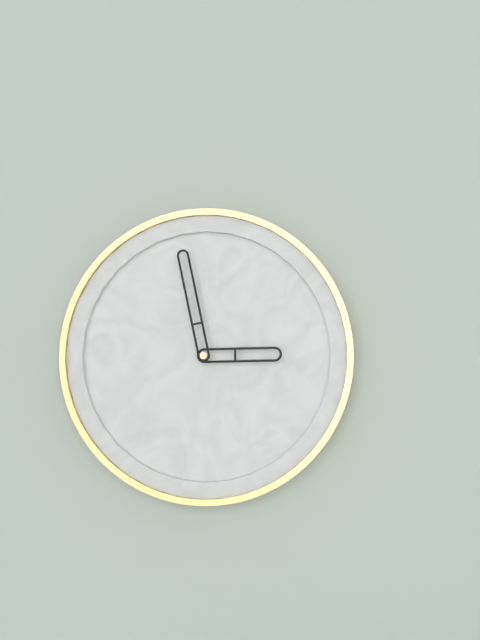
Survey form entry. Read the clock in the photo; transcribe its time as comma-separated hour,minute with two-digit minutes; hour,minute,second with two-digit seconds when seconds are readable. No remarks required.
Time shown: 2,58
